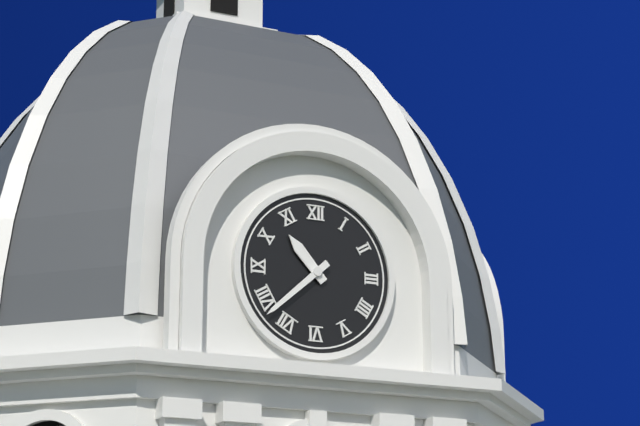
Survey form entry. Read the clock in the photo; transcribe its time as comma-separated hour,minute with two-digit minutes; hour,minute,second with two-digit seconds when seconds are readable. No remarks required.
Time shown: 10,38
